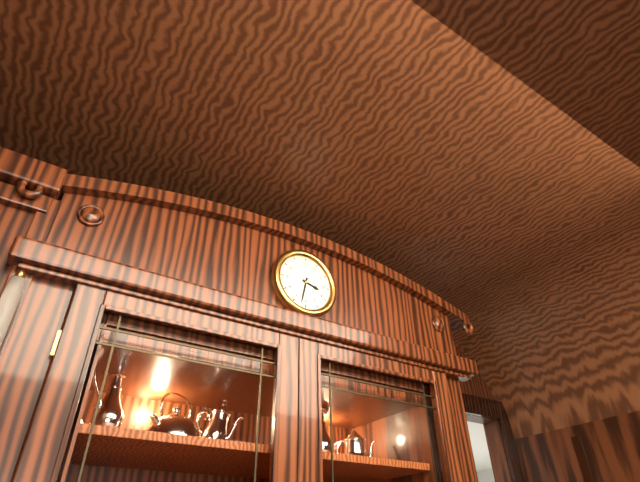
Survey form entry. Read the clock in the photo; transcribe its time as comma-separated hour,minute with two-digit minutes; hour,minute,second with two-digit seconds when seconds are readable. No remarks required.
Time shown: 3,32
